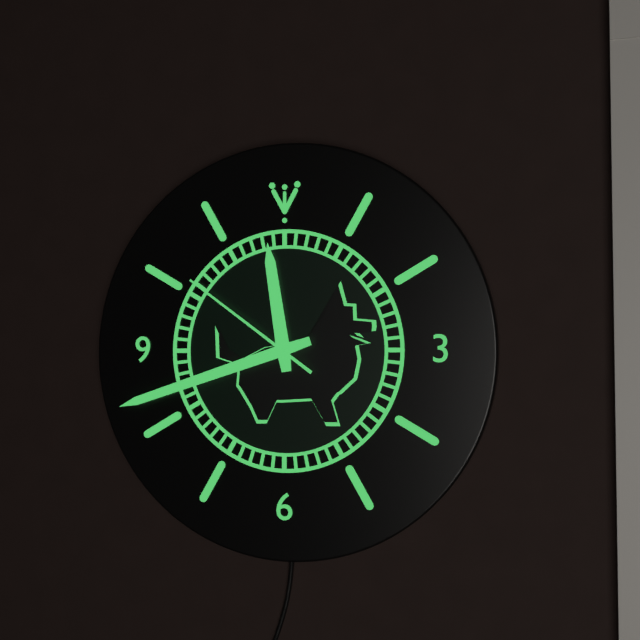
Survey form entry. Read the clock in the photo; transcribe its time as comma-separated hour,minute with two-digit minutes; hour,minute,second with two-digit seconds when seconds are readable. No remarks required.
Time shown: 11,42,51
